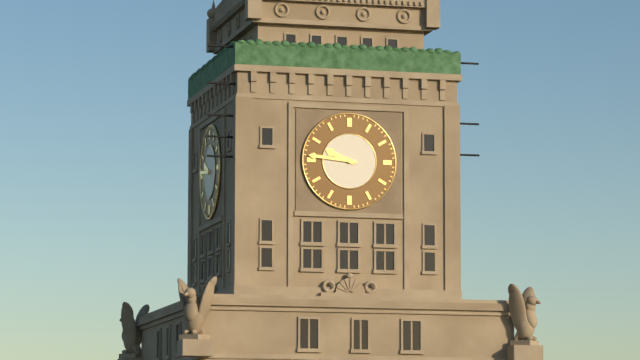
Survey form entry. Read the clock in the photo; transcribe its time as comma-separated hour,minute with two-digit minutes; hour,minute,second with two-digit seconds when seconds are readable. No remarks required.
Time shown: 9,46
